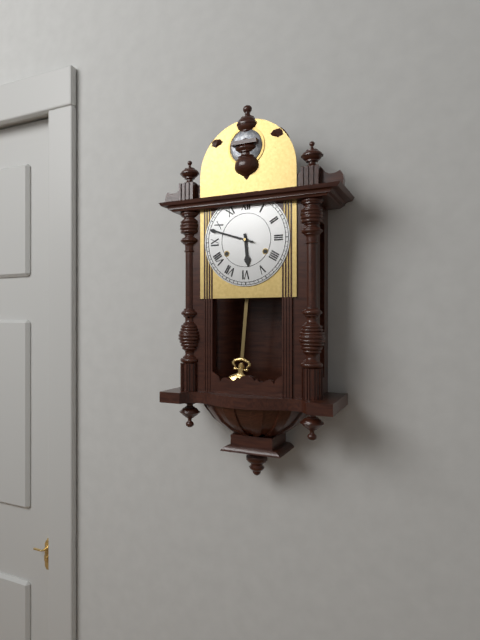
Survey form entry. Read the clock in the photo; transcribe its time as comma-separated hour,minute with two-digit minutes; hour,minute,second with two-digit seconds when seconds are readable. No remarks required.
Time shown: 5,48
